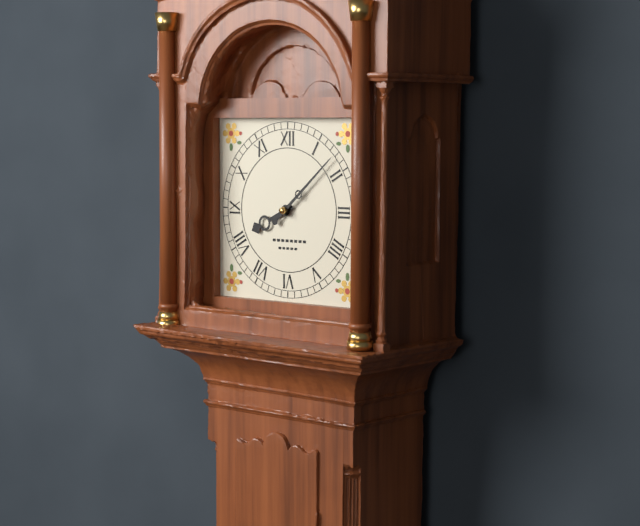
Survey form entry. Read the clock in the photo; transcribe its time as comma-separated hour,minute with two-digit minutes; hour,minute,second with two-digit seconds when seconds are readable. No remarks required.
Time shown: 8,08
